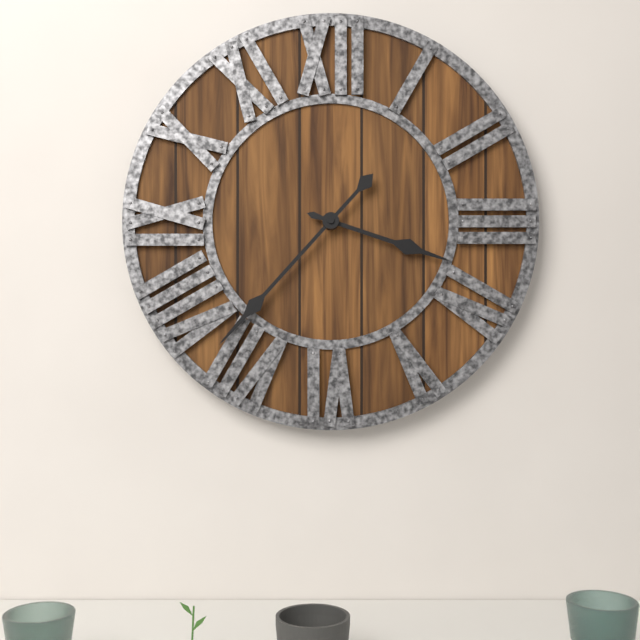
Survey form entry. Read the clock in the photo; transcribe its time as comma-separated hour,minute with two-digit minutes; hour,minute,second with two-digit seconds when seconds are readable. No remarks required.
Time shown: 3,37
